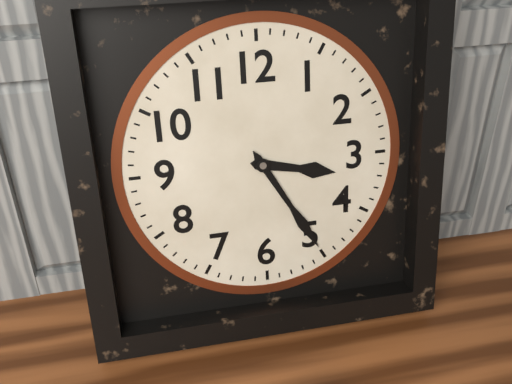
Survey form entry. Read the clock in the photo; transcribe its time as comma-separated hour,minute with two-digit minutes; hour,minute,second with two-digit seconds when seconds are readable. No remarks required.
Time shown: 3,25
